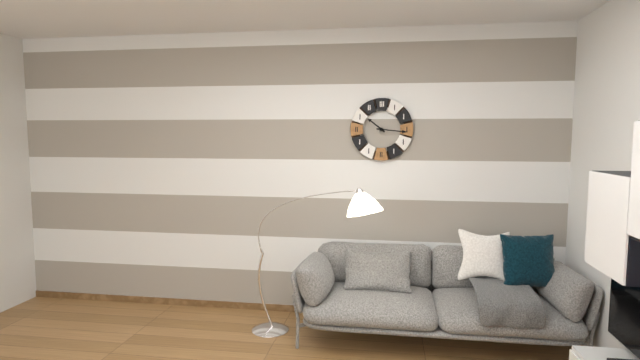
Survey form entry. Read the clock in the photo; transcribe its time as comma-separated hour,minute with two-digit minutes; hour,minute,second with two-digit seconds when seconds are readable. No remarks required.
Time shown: 10,16
